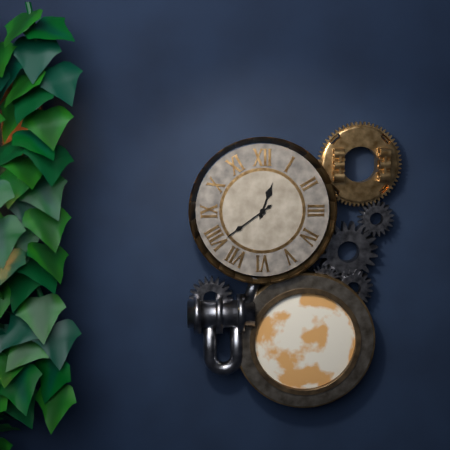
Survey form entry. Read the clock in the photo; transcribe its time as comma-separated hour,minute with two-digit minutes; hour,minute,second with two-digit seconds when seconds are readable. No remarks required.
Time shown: 12,39
